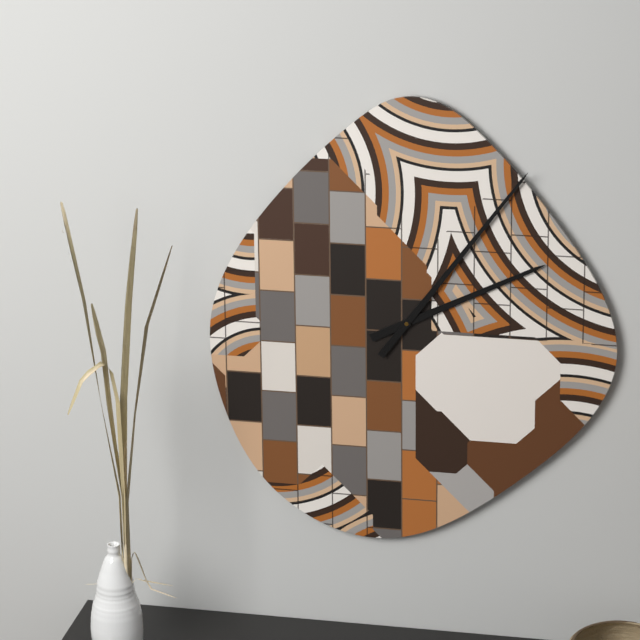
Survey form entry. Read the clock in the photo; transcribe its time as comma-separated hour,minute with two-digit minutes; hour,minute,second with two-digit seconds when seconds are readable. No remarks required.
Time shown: 2,06
